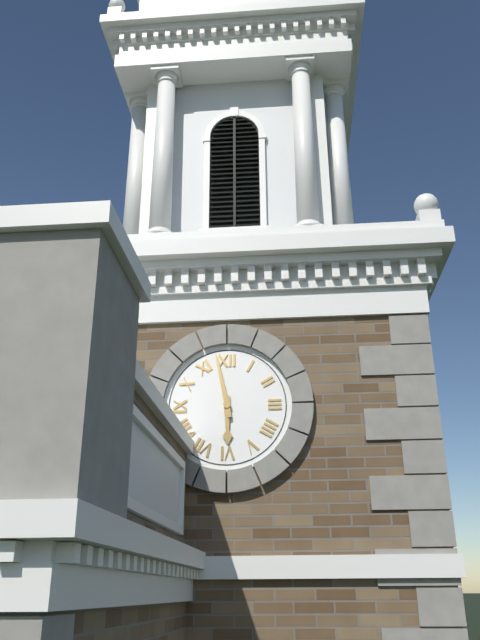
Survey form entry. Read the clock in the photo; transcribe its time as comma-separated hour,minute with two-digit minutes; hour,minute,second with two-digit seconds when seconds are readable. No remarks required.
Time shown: 5,58
